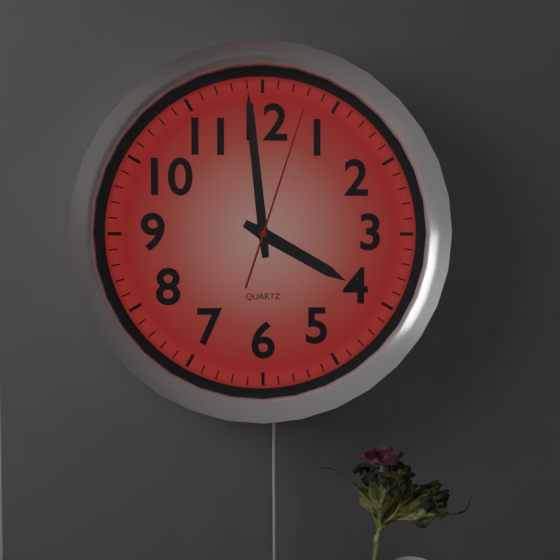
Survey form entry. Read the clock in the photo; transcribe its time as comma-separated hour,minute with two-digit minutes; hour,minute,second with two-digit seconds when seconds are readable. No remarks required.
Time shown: 3,59,03
